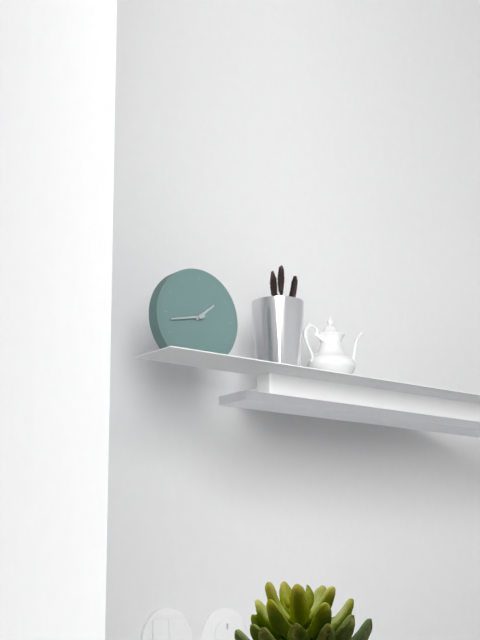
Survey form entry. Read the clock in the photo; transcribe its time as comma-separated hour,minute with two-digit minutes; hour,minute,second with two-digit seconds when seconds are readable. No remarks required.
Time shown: 1,43
